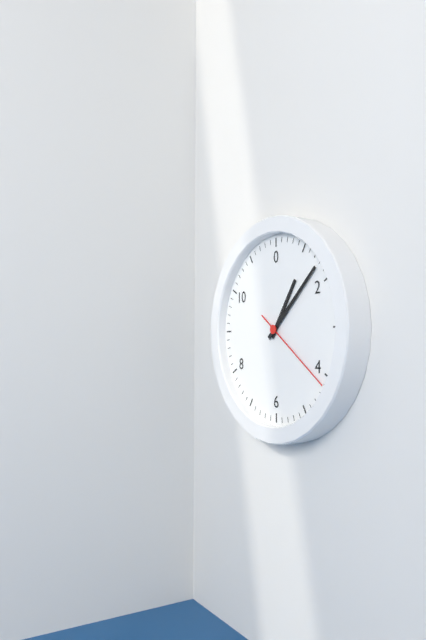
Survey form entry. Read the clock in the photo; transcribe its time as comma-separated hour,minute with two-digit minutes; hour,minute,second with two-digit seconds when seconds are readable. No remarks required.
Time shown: 1,08,21
